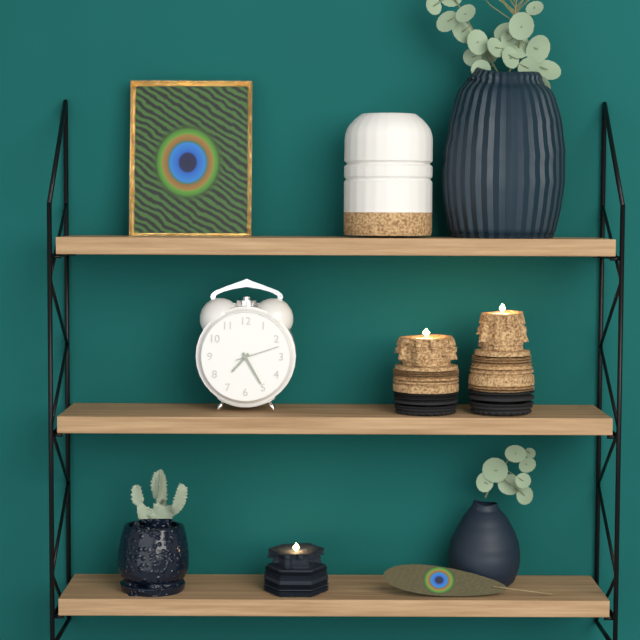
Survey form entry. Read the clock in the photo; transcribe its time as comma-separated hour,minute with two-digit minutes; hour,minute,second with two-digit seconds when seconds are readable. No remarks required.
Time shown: 7,25
